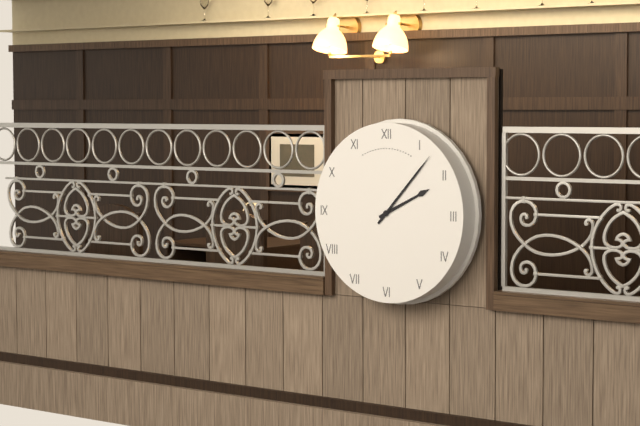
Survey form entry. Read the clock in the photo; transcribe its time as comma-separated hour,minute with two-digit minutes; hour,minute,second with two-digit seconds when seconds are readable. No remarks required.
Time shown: 2,07
